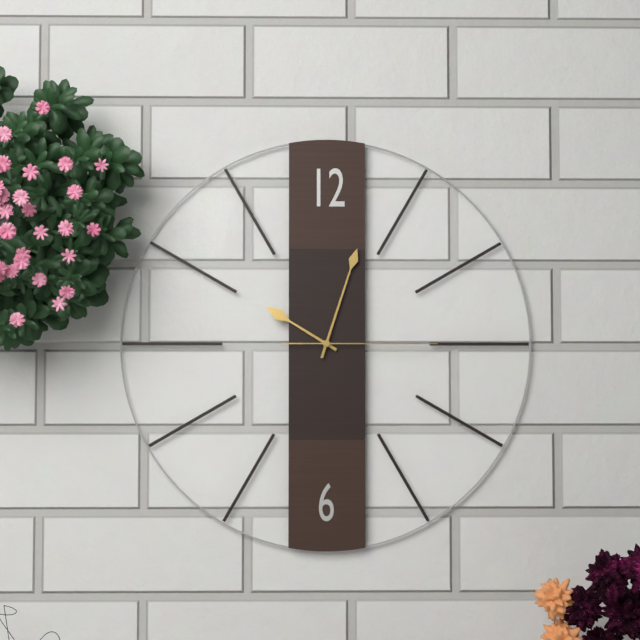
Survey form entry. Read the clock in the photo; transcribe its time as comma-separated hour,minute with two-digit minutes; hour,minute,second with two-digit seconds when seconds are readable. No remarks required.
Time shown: 10,03,15
